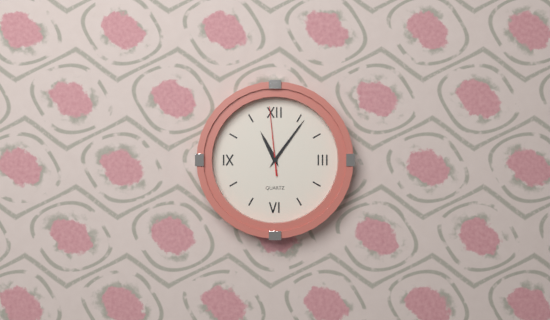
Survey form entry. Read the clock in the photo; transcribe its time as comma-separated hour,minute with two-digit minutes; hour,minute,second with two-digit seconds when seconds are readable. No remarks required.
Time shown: 11,06,59
